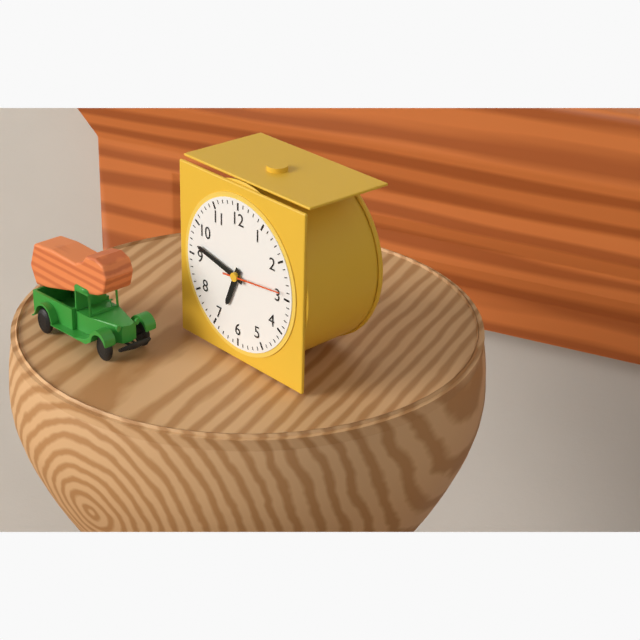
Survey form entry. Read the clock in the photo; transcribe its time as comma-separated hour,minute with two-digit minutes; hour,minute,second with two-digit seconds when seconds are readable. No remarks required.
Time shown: 6,47,14
